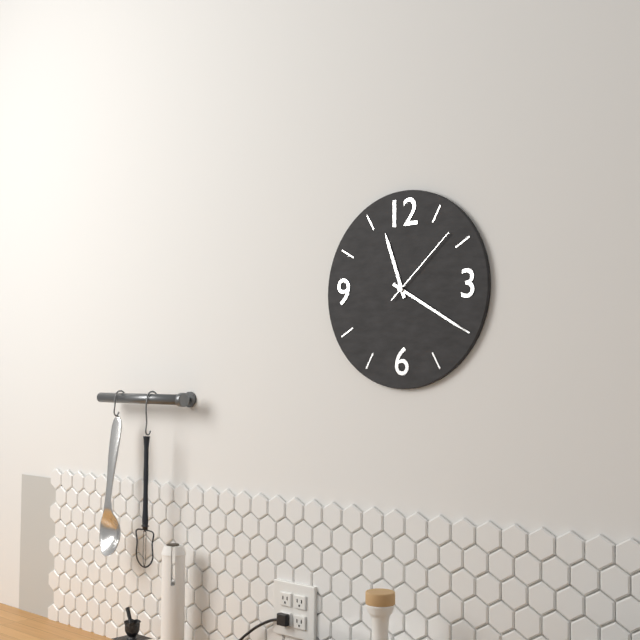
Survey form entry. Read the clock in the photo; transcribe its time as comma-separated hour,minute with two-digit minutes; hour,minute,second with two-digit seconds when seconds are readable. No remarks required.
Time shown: 11,20,08
